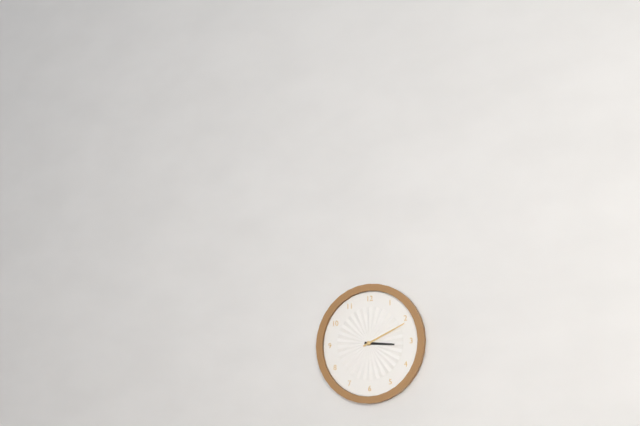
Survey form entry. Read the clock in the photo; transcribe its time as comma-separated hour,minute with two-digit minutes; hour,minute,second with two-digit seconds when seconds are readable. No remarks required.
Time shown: 3,11
